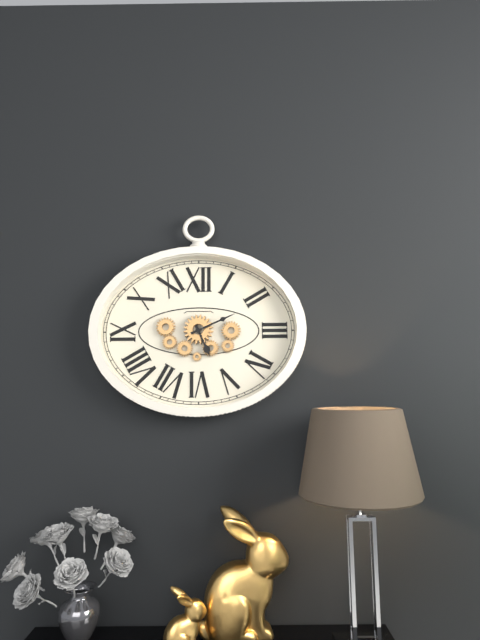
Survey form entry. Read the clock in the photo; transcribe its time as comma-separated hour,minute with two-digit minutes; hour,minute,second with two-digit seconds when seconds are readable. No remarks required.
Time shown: 5,11
